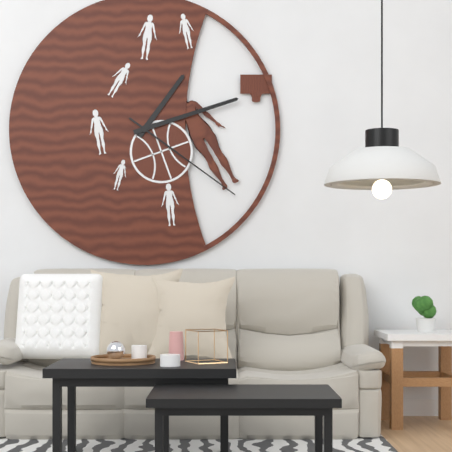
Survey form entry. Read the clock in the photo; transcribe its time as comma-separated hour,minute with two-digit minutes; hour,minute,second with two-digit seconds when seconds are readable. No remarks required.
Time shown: 1,12,21
